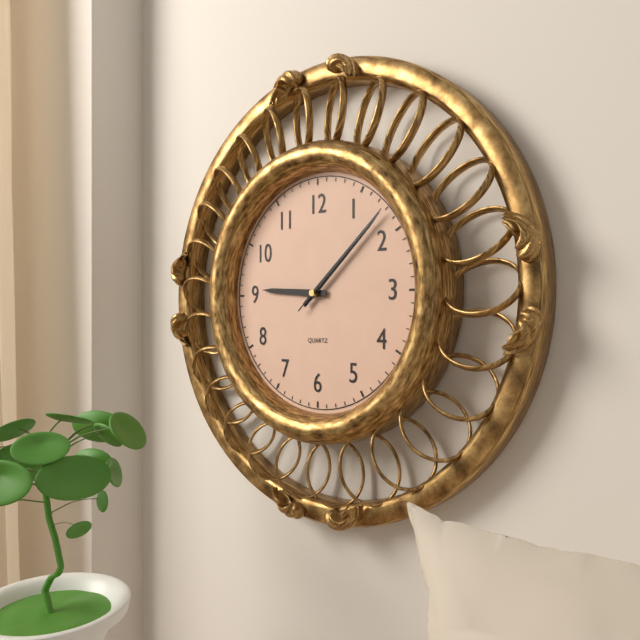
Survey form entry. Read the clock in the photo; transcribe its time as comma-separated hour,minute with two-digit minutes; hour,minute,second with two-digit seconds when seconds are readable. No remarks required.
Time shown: 9,08,08
